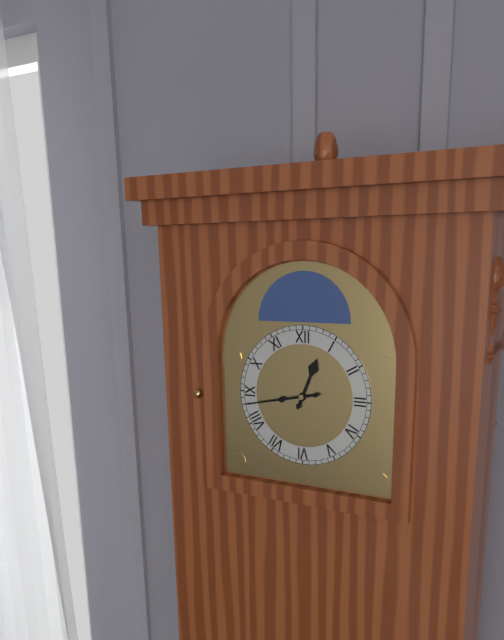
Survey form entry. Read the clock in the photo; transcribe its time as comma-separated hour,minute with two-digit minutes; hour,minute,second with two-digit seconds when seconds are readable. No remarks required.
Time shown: 12,43
